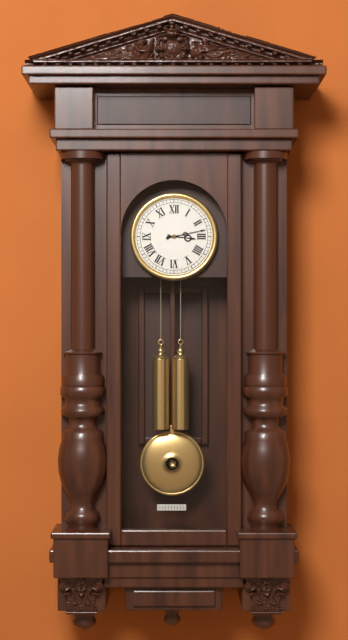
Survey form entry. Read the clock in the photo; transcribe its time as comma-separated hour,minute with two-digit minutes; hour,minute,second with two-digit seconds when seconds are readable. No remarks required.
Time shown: 3,13
